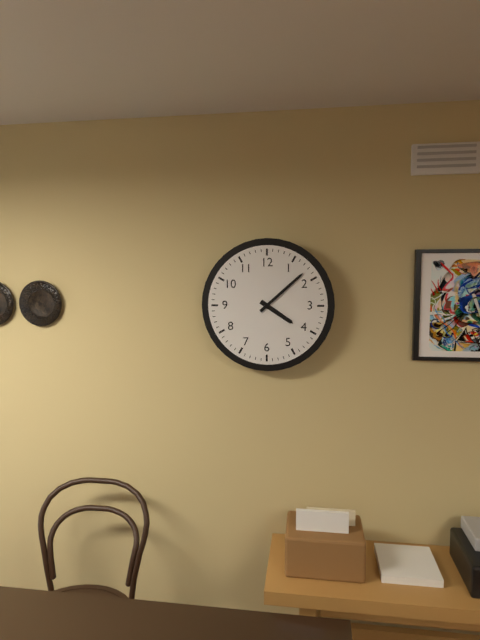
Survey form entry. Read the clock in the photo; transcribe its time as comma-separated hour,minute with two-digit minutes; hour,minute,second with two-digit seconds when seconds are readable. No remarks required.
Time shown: 4,08
